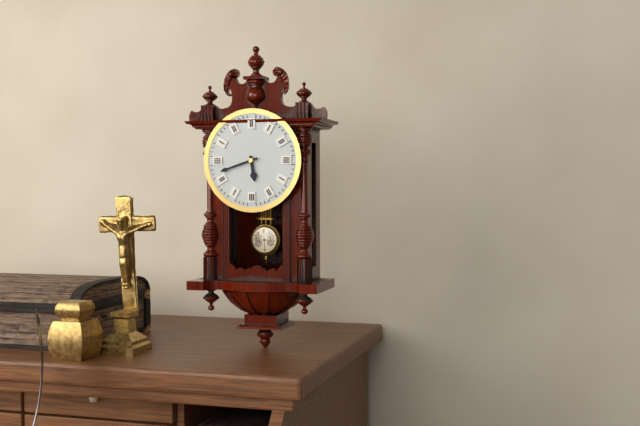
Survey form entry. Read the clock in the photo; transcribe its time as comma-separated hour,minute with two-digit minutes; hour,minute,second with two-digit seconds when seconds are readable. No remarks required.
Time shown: 5,42
